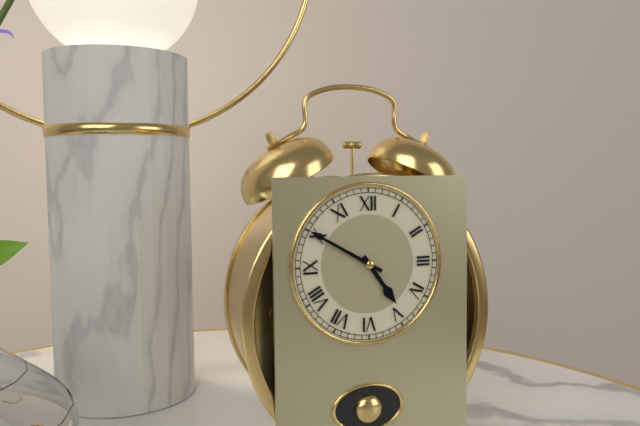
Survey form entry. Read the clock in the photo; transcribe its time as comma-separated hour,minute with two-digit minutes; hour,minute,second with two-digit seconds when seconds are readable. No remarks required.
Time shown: 4,50
